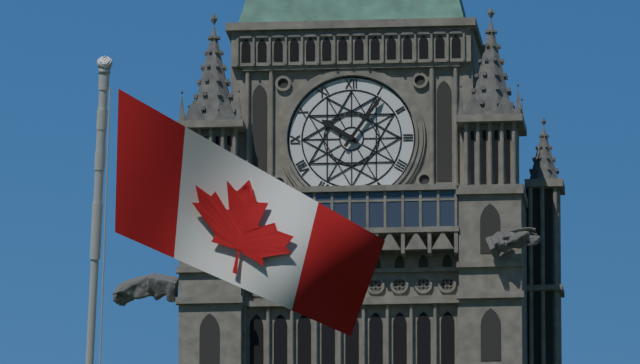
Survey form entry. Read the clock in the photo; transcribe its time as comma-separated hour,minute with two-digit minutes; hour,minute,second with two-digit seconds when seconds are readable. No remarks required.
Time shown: 10,06
